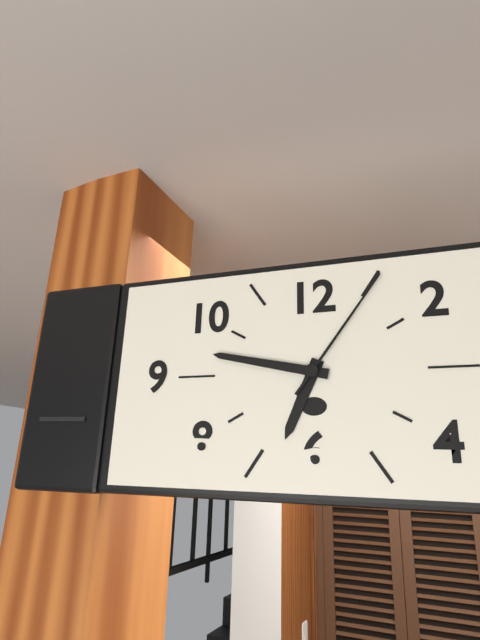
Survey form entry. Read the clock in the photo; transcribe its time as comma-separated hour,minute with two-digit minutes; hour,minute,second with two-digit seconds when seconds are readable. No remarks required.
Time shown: 6,47,06
